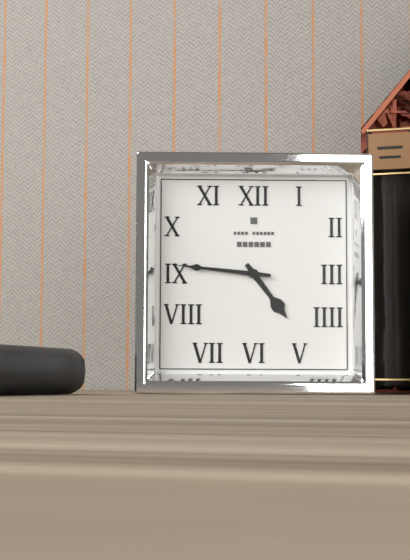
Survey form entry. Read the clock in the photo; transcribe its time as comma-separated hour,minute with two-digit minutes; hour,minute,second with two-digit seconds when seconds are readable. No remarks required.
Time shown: 4,46
